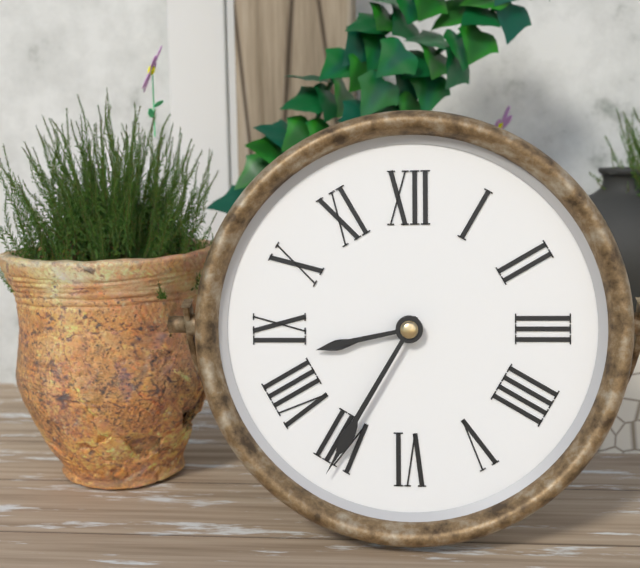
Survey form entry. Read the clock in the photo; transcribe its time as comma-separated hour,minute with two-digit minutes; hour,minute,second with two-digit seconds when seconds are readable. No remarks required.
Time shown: 8,35
